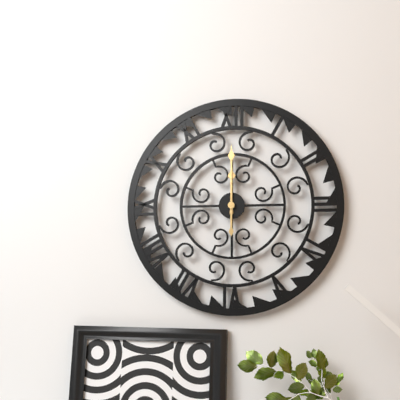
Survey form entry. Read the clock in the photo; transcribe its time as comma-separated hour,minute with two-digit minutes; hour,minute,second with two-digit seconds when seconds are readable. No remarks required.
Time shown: 12,00
